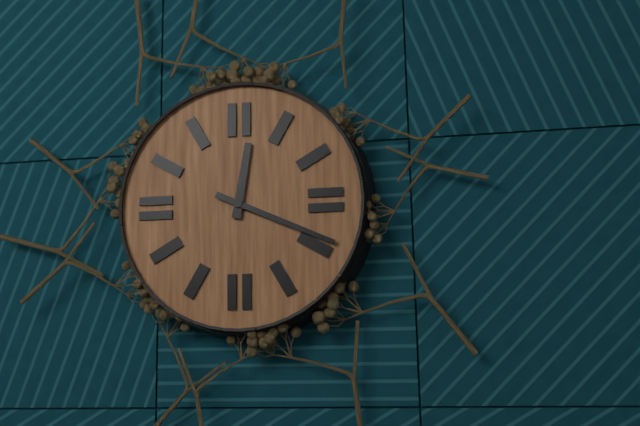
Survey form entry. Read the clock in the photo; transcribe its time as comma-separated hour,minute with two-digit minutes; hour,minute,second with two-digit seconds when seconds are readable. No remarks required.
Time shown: 12,19
